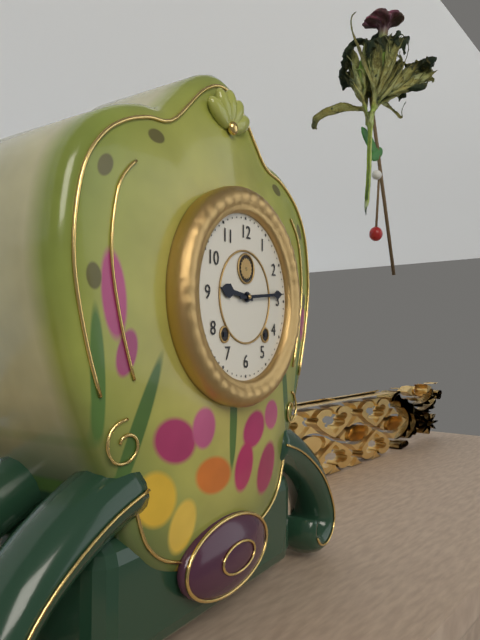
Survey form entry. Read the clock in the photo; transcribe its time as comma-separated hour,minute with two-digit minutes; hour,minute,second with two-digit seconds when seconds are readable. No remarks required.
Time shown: 9,14
